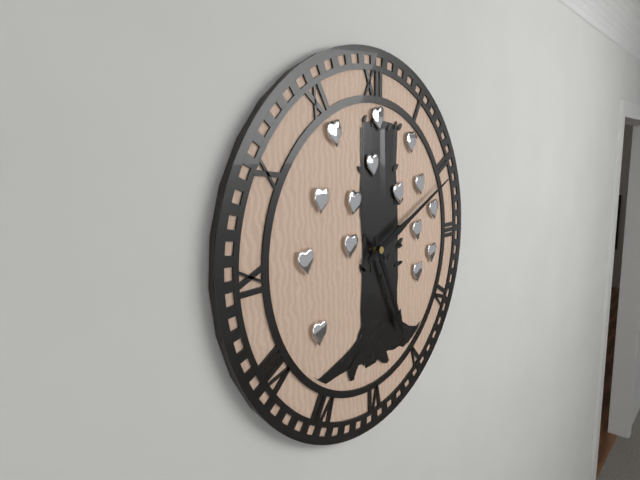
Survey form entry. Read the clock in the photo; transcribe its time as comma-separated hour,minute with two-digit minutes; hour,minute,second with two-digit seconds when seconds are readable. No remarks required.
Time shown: 5,11
